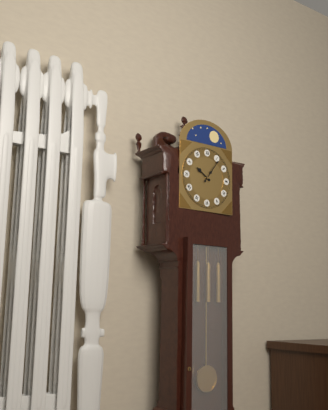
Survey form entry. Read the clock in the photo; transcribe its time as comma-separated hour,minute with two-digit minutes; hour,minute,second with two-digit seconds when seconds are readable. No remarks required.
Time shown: 10,06
